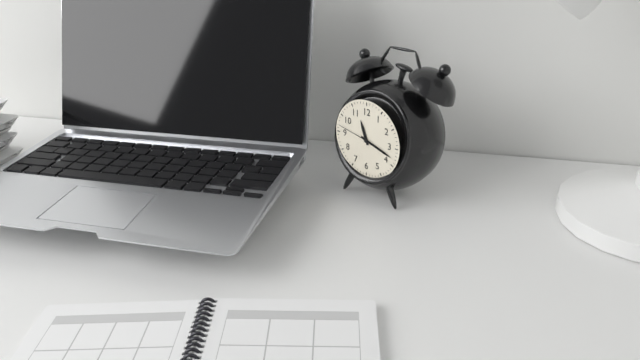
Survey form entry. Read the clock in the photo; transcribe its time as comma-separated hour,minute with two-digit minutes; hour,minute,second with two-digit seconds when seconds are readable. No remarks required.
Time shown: 11,18
